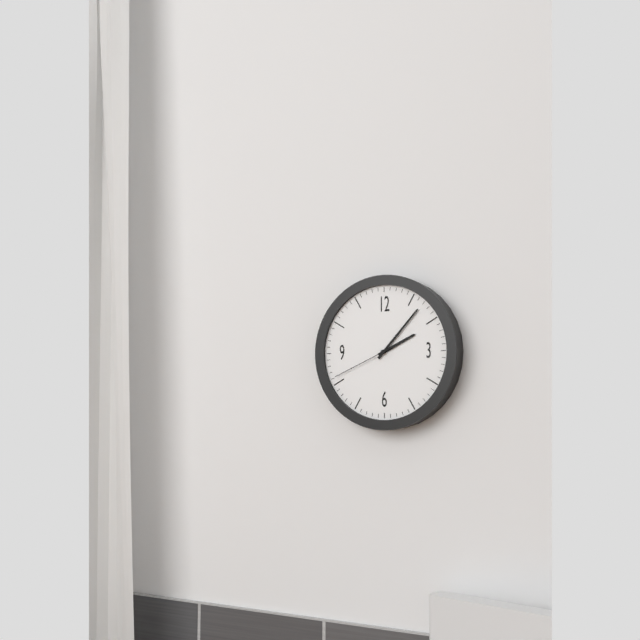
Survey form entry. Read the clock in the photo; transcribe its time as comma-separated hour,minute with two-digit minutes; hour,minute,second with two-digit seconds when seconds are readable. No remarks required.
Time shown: 2,07,41
